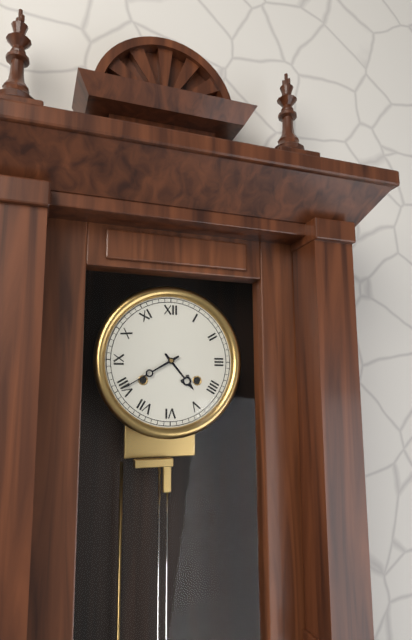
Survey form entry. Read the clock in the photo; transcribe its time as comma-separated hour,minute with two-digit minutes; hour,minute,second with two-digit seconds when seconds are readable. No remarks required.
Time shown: 4,40
